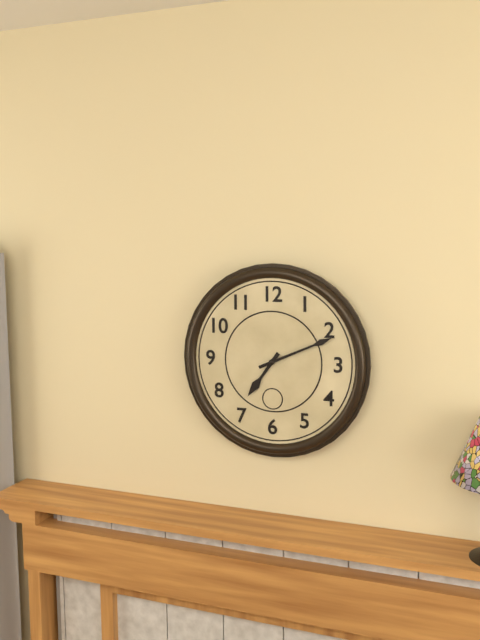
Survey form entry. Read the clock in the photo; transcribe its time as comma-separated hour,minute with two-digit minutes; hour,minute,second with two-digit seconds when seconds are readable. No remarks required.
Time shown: 7,11
